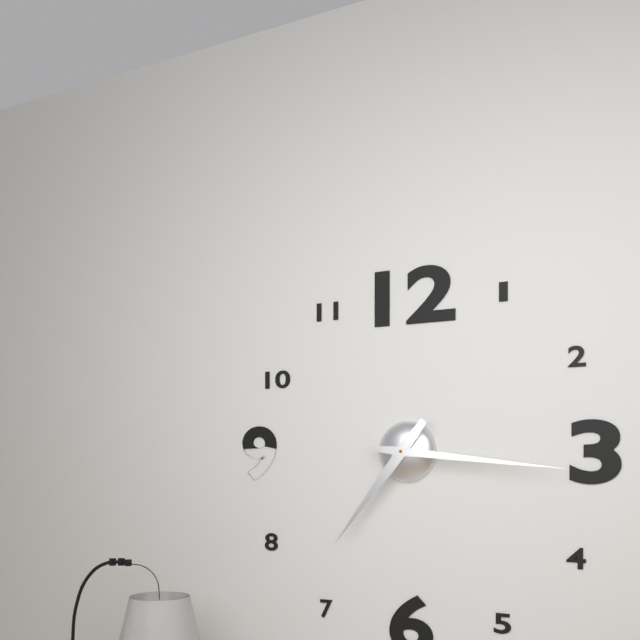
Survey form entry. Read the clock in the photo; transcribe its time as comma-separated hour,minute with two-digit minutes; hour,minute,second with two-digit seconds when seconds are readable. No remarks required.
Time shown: 7,16
